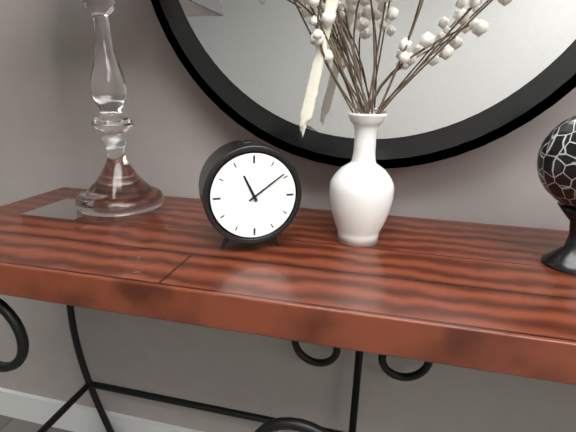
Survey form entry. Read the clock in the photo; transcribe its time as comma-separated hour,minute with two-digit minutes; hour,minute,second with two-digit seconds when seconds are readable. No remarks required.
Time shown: 11,09
